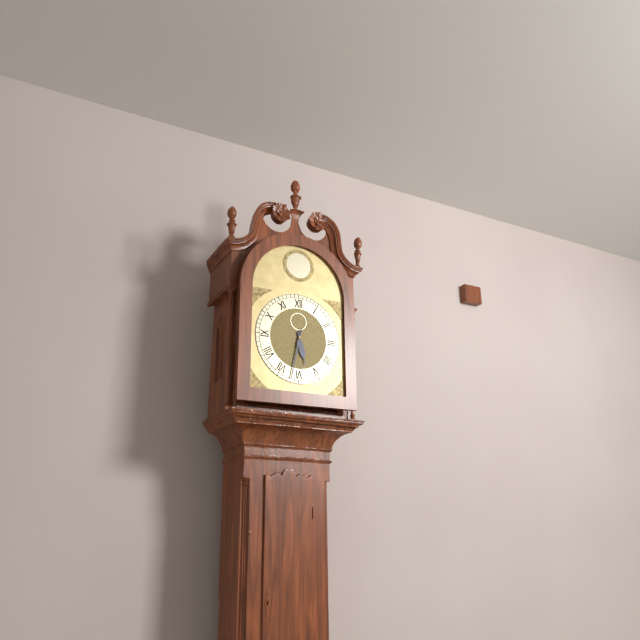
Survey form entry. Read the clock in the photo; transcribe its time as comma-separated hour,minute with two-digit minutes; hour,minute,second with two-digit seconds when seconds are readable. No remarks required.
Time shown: 5,32
